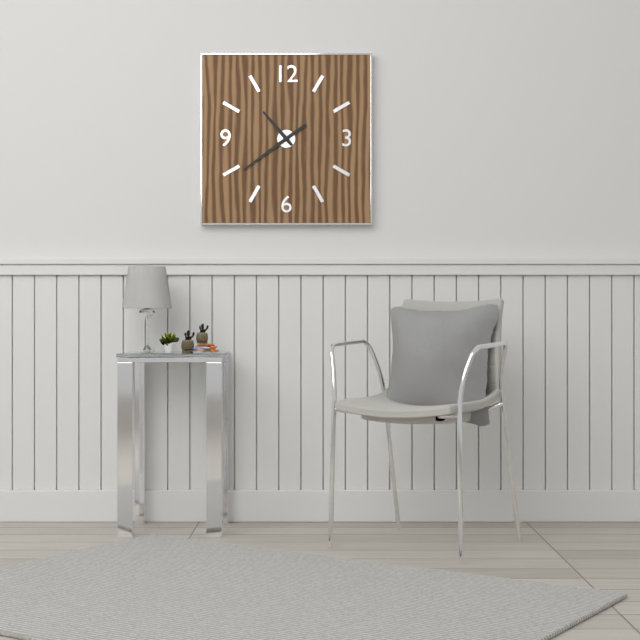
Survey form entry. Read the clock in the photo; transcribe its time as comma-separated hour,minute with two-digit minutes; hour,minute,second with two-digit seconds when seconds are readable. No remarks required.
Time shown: 10,39
